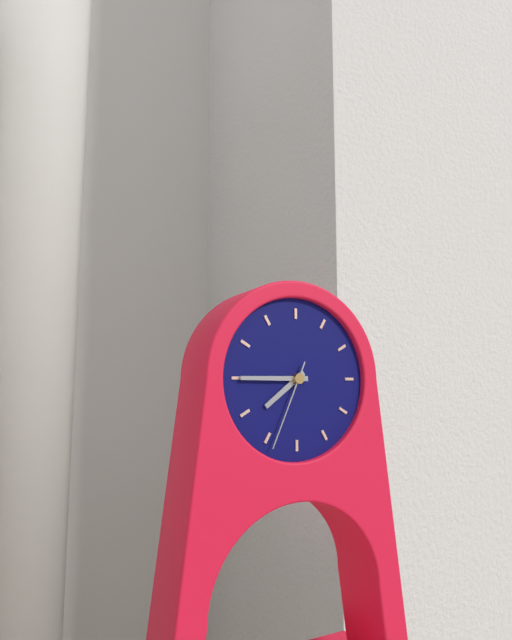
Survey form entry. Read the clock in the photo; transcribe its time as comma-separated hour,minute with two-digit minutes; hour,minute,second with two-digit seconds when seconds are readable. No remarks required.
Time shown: 7,45,34
